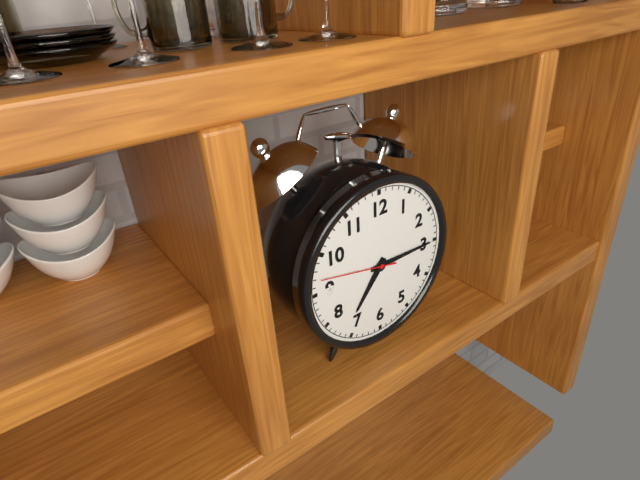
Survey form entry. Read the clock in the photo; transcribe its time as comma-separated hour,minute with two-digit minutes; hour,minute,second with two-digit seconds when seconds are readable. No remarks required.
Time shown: 7,15,47
